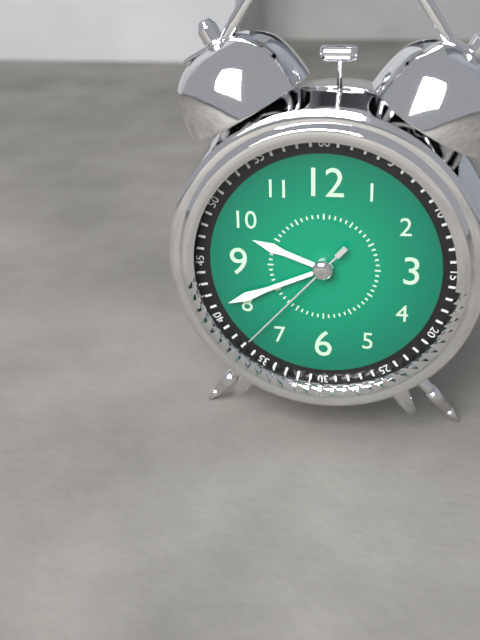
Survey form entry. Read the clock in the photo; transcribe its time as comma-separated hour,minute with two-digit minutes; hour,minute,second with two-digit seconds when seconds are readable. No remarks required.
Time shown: 9,41,37
